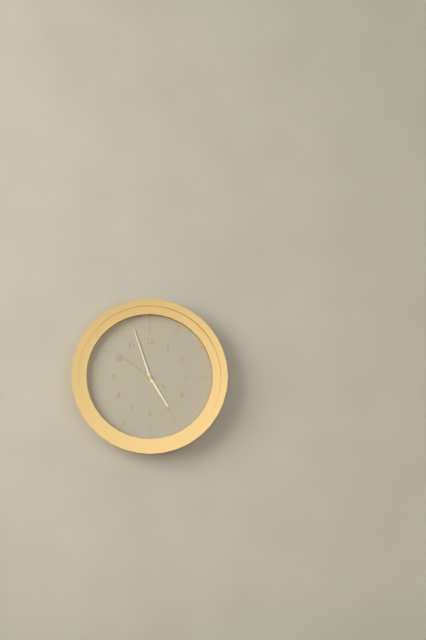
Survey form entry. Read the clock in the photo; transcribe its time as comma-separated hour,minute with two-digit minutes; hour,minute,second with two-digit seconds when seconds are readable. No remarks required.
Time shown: 4,57,51
